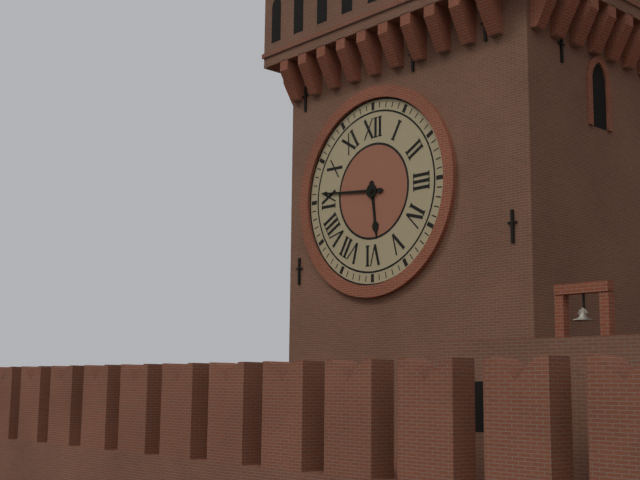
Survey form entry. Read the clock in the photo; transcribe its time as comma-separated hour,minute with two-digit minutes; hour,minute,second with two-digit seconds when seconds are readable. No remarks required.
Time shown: 5,46
